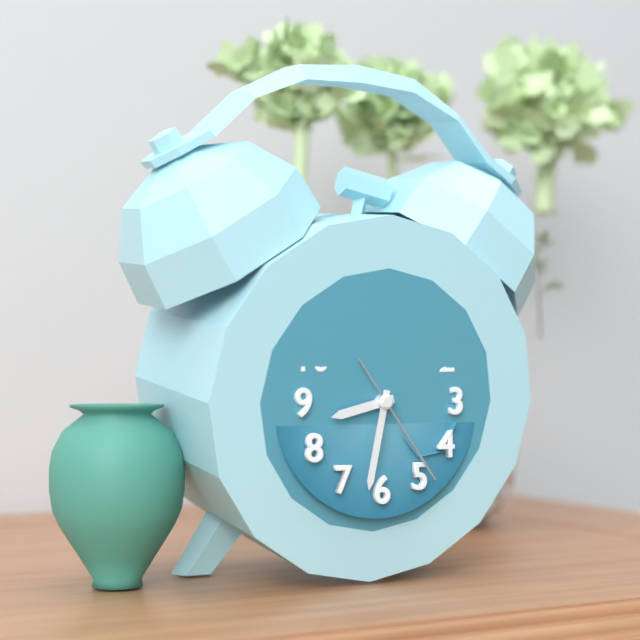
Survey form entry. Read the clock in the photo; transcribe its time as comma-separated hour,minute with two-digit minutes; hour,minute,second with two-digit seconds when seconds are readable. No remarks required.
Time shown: 8,32,24
